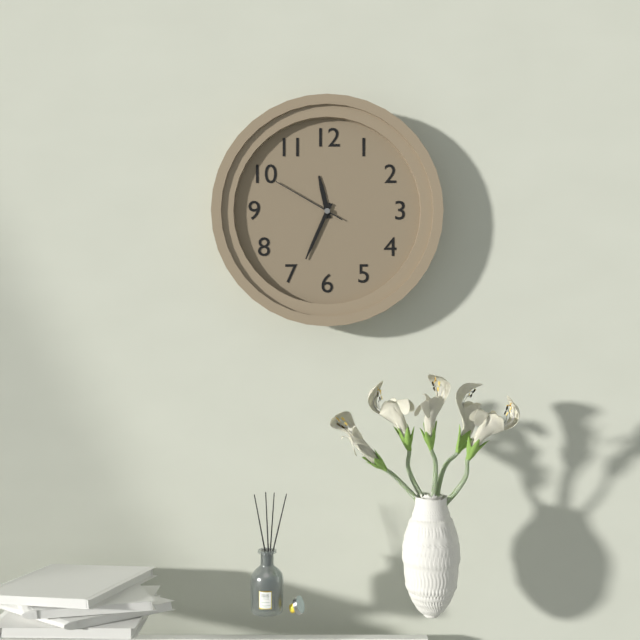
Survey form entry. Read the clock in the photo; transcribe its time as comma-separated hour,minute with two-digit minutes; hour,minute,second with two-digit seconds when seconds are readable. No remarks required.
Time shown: 11,34,50
